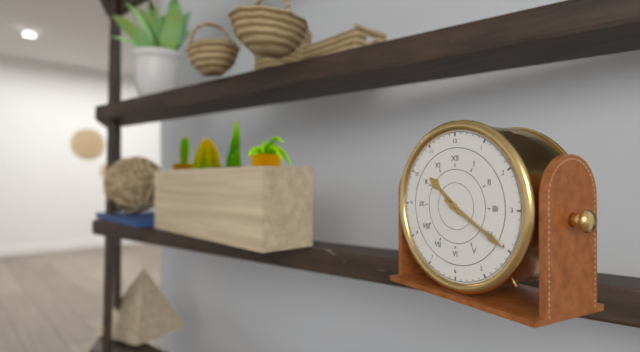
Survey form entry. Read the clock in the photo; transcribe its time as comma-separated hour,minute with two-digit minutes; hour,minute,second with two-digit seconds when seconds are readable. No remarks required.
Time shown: 10,20
